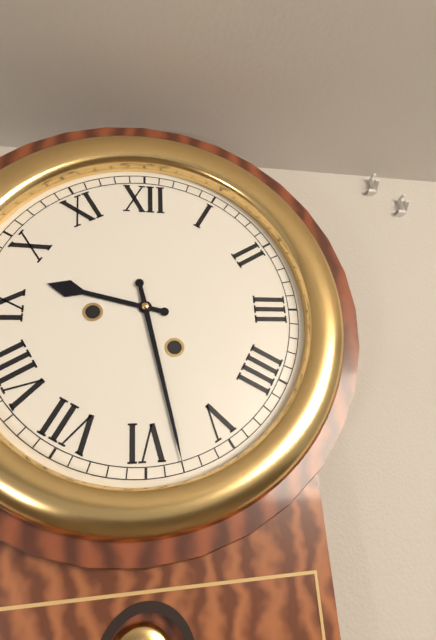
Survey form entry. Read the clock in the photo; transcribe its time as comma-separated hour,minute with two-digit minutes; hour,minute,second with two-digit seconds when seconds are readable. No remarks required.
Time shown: 9,28
